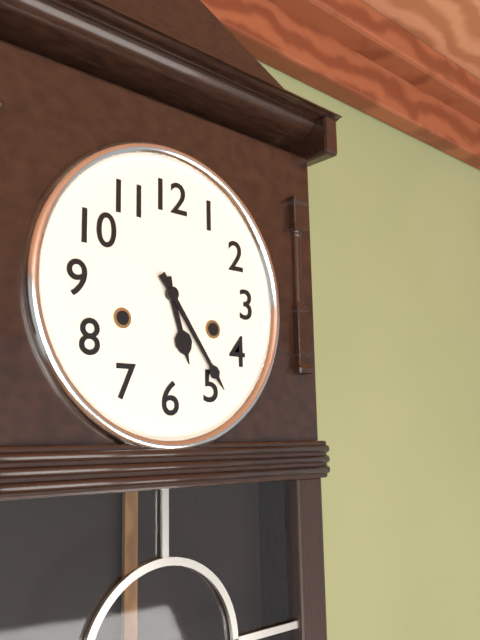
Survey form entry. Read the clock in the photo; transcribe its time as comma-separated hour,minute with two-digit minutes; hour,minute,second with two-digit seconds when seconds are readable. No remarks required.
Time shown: 5,24
